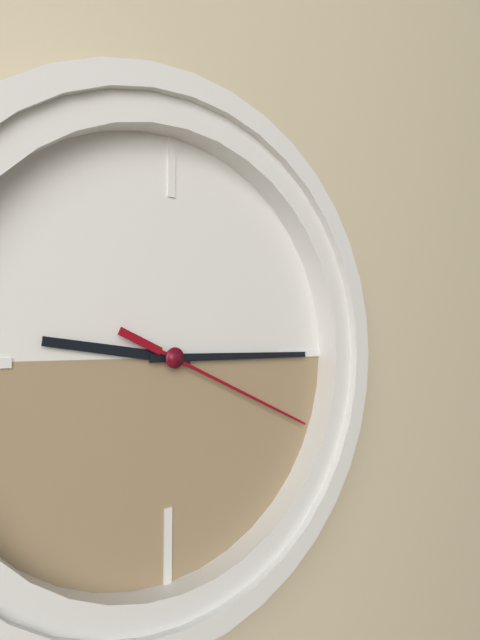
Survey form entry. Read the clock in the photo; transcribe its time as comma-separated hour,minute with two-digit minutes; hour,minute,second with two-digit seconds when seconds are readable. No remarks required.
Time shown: 9,15,19
